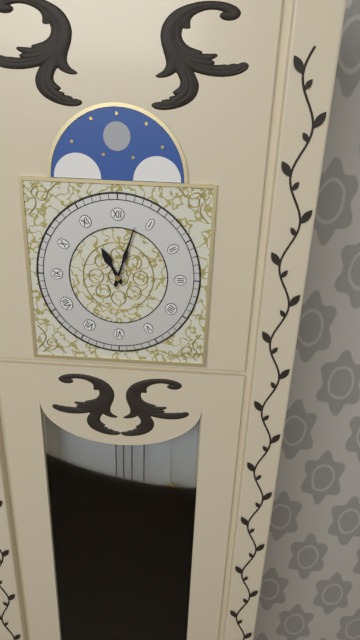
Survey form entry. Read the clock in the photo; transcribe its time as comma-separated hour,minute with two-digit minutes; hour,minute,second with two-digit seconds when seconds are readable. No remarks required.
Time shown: 11,03
